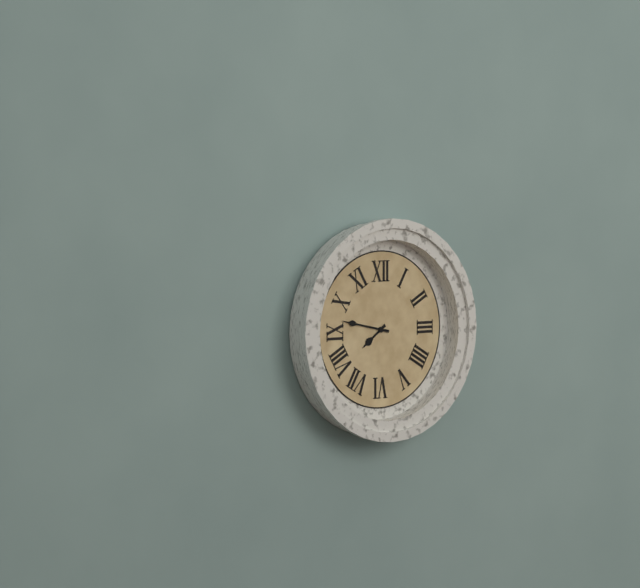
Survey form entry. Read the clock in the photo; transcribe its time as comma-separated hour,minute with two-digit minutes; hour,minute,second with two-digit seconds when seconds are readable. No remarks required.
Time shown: 7,47
